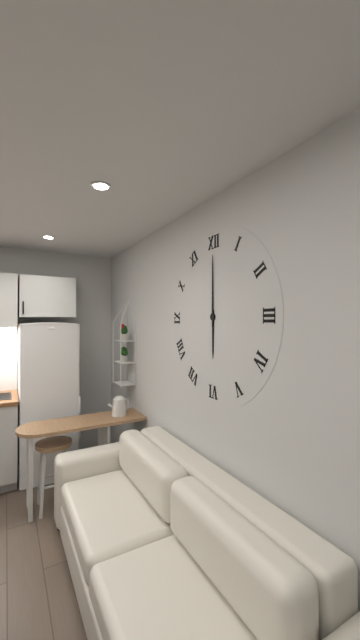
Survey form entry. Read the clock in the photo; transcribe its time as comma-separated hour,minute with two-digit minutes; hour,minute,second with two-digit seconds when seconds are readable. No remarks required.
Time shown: 6,00
